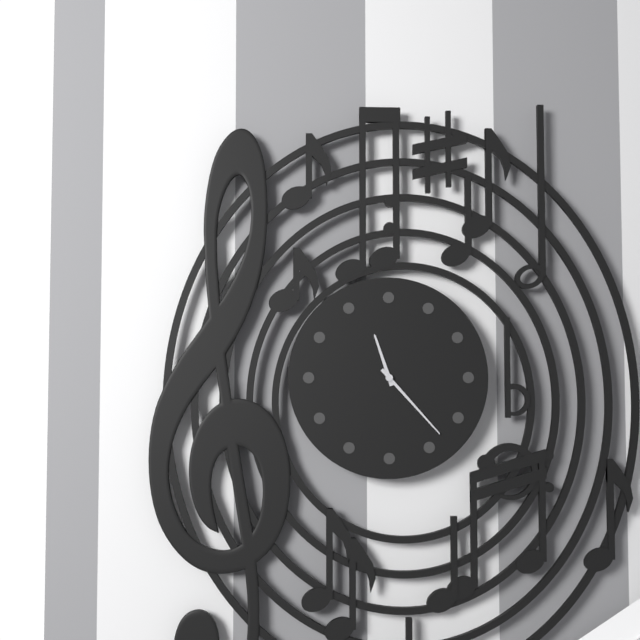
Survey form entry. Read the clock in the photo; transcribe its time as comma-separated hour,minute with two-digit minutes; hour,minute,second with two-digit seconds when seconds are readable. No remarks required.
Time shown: 11,23
